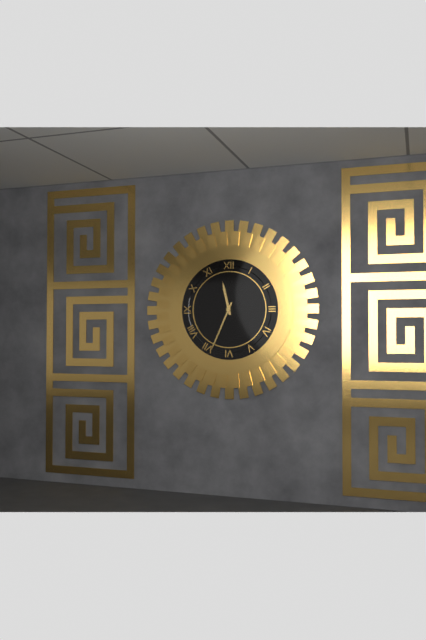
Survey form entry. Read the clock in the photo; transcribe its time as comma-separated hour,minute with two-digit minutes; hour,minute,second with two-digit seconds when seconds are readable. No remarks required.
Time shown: 11,34
